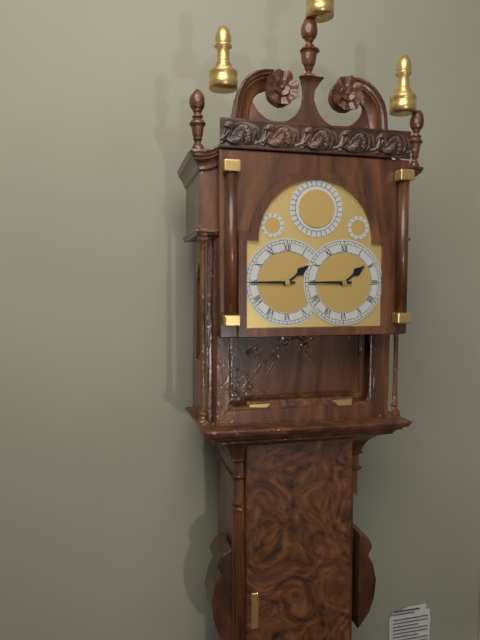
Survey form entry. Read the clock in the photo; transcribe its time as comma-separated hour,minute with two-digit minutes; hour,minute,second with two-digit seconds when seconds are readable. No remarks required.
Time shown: 1,45
